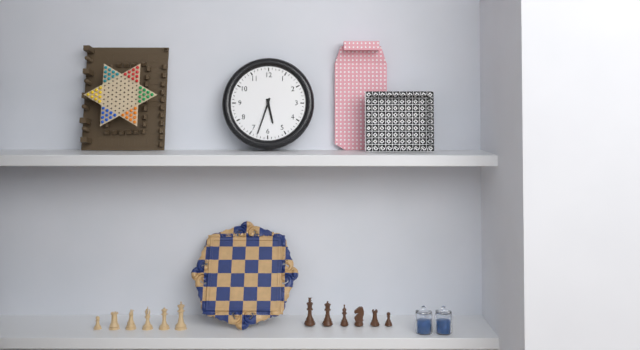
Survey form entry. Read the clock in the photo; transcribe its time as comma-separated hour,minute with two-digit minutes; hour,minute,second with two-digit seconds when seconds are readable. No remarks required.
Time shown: 5,33
